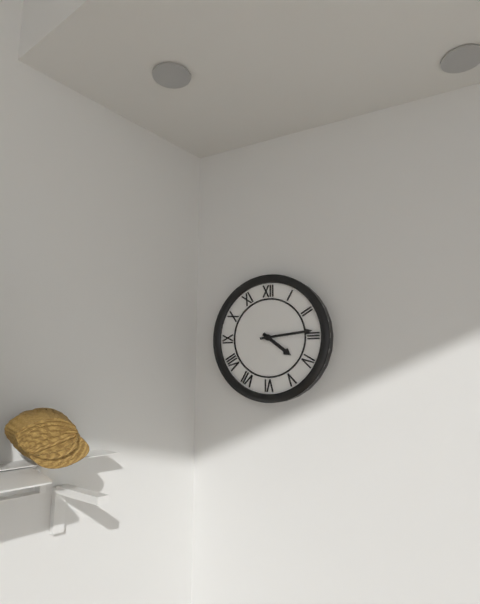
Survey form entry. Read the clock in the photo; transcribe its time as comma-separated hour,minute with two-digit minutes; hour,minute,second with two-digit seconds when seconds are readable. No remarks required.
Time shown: 4,14
